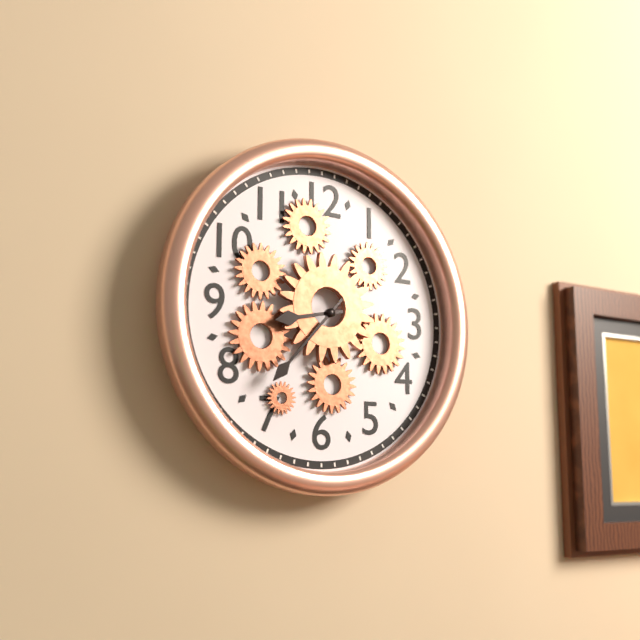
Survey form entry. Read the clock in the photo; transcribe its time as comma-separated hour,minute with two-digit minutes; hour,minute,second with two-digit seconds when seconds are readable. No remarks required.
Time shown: 8,37
